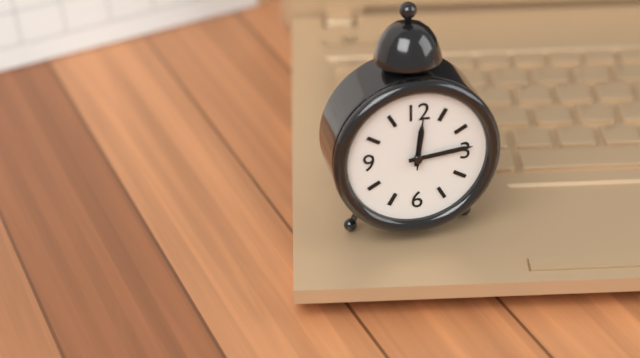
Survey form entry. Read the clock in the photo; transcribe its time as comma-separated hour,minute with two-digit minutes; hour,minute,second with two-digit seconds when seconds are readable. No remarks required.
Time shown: 12,14
